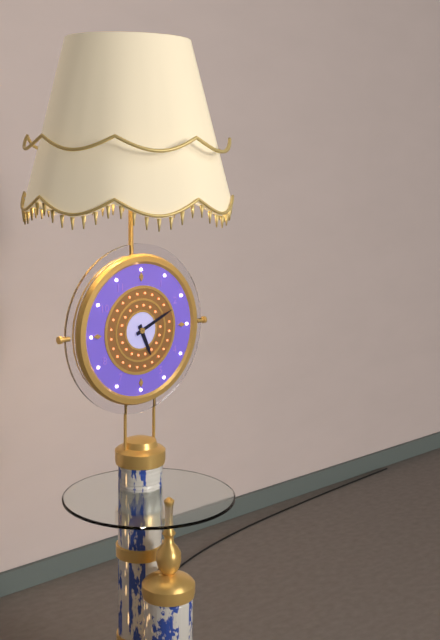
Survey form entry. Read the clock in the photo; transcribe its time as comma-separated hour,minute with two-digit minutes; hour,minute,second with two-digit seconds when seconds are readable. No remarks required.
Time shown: 5,11
